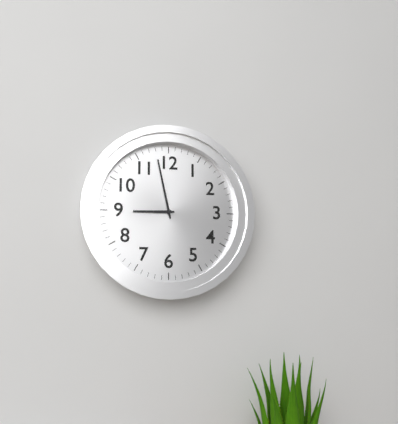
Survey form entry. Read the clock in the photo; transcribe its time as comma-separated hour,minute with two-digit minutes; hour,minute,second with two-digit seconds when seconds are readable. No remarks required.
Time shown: 8,58
